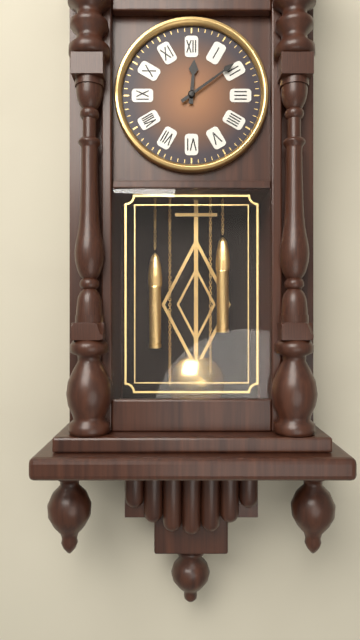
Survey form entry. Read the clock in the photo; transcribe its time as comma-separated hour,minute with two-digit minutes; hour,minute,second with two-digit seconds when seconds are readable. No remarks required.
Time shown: 12,09
